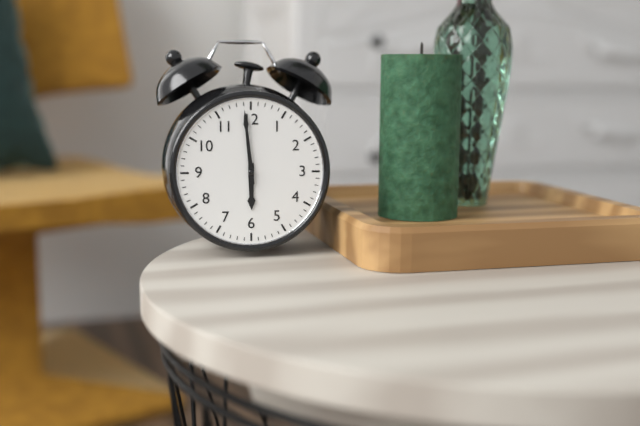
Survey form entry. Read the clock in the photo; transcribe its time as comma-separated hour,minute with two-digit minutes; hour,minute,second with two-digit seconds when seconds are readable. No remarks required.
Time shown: 5,59
